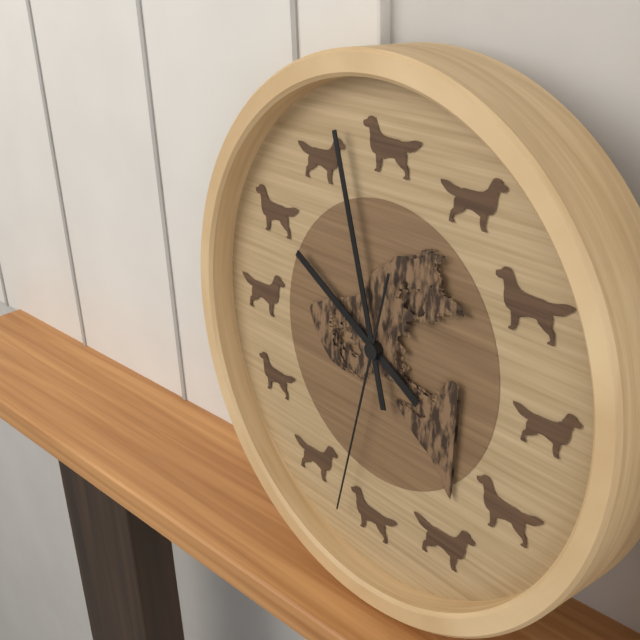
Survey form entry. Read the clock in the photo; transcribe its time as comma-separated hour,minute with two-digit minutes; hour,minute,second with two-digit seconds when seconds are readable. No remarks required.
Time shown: 9,57,32
